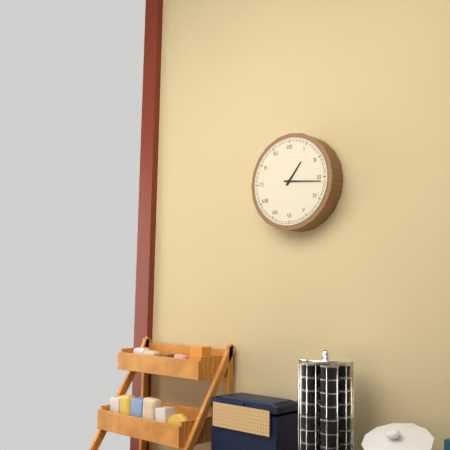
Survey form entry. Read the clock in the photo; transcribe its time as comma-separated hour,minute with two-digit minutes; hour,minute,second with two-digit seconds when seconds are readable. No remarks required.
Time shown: 1,16
